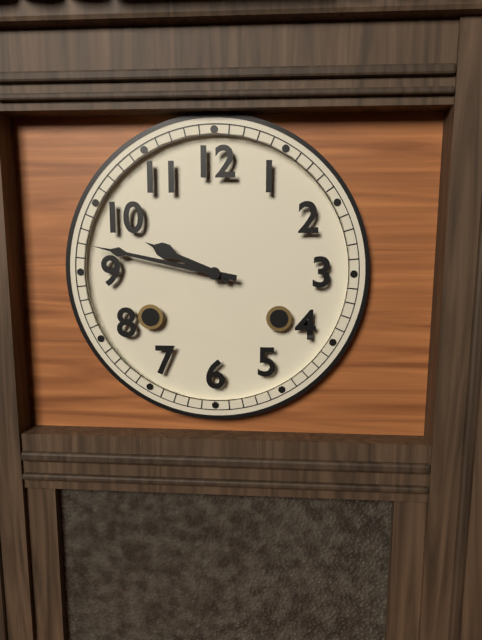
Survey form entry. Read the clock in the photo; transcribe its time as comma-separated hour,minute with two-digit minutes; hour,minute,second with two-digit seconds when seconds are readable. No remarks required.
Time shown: 9,47
